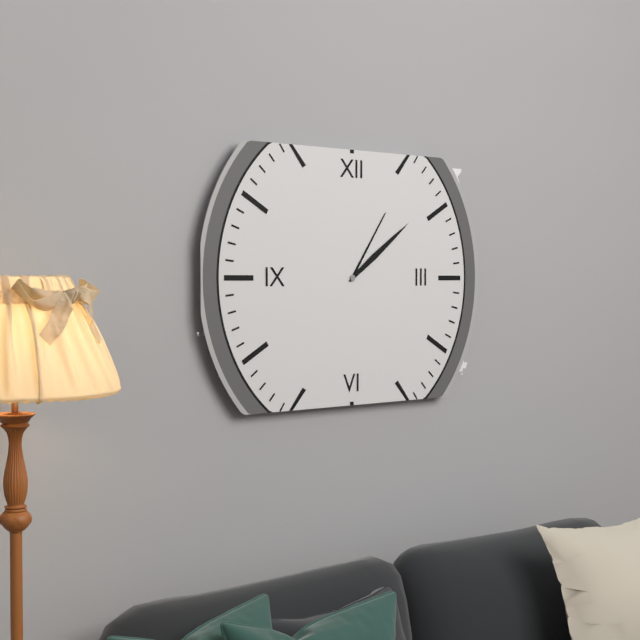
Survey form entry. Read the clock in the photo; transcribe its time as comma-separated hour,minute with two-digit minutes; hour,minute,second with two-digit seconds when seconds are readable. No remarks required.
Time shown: 1,09
